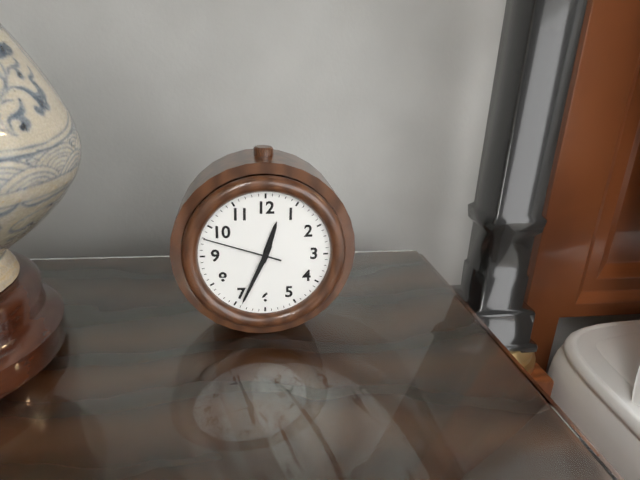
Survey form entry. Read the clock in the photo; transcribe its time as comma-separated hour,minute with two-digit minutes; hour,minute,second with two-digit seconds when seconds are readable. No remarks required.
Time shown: 12,34,48
